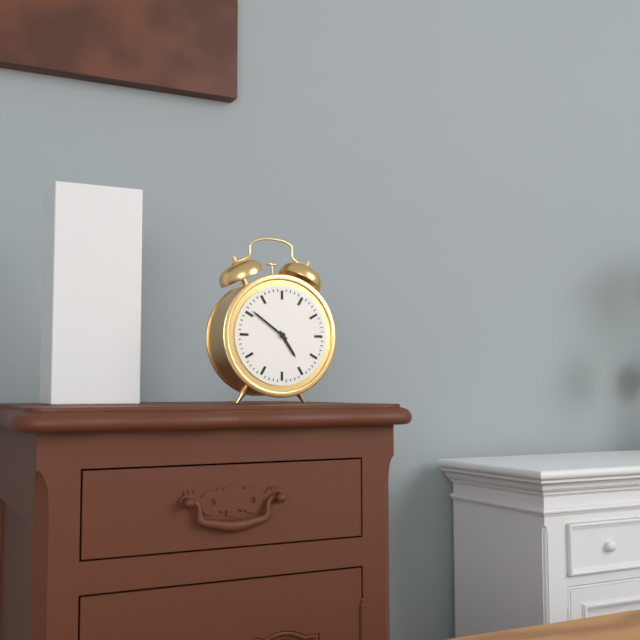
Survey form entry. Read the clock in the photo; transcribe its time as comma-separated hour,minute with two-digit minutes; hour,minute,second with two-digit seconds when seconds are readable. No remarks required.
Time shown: 4,51
